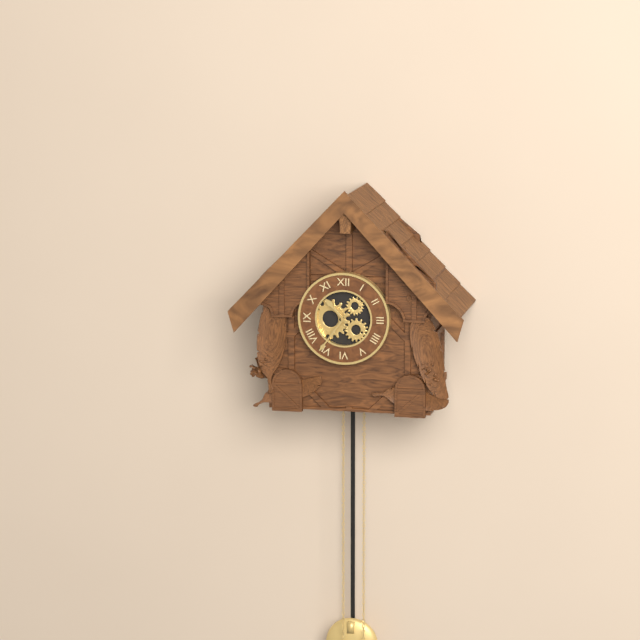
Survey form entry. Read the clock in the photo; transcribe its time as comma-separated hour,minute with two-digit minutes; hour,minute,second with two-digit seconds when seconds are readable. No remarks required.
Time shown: 10,36
